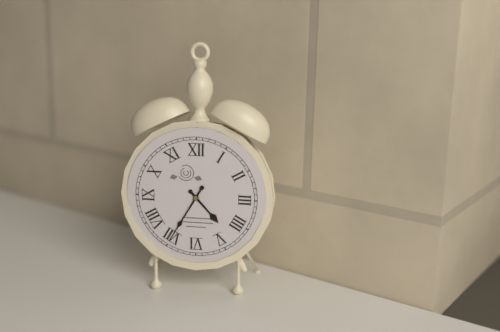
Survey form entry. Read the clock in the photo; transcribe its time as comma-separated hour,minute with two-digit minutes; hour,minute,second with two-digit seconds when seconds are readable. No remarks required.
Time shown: 4,35
